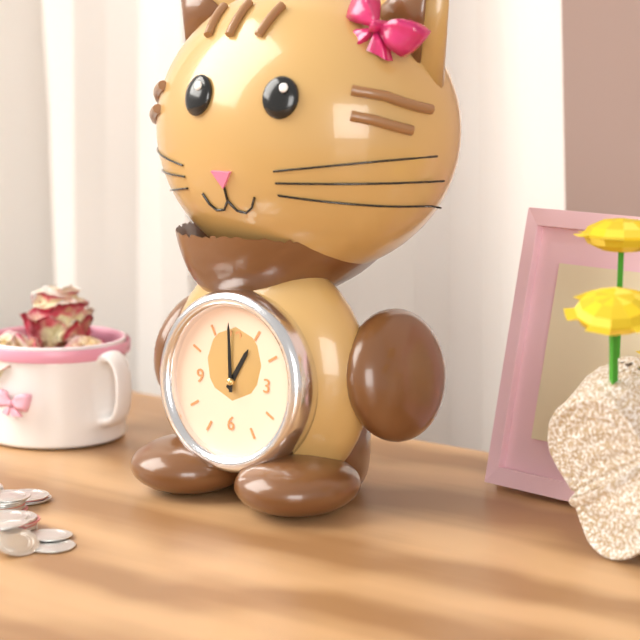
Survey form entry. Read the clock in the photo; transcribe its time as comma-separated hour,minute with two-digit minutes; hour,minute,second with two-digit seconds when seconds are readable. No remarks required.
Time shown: 12,59
